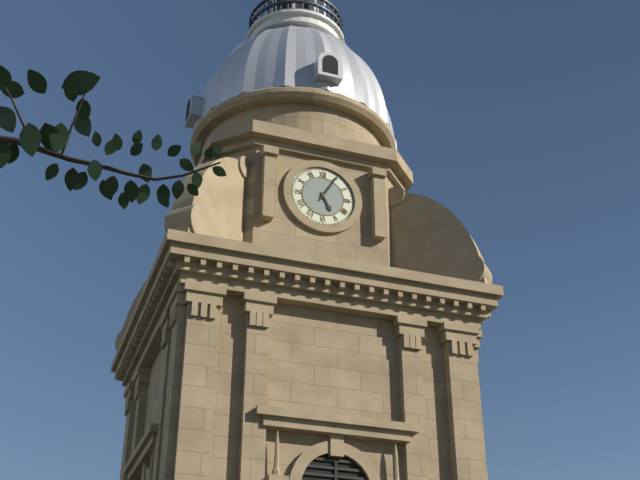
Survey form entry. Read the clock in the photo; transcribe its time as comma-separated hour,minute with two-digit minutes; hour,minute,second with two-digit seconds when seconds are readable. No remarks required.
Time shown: 5,05
